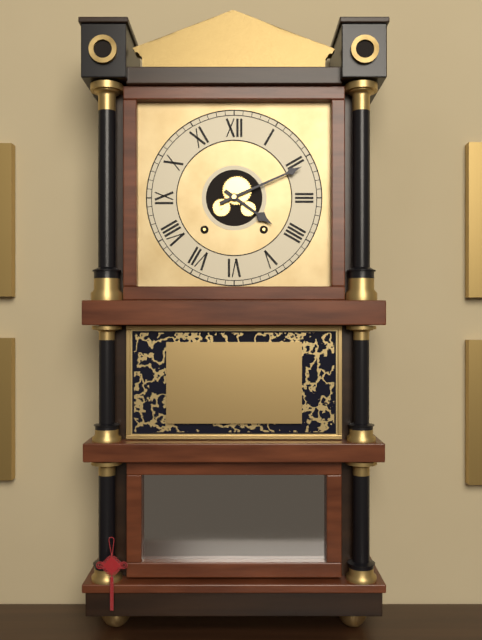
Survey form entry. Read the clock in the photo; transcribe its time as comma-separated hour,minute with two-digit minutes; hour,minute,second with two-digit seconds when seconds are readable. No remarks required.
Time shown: 4,11
